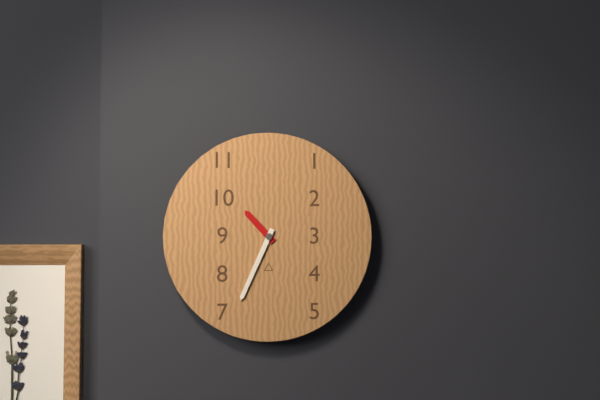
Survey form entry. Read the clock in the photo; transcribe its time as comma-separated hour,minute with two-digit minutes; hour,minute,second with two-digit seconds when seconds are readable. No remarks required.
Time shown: 10,34
